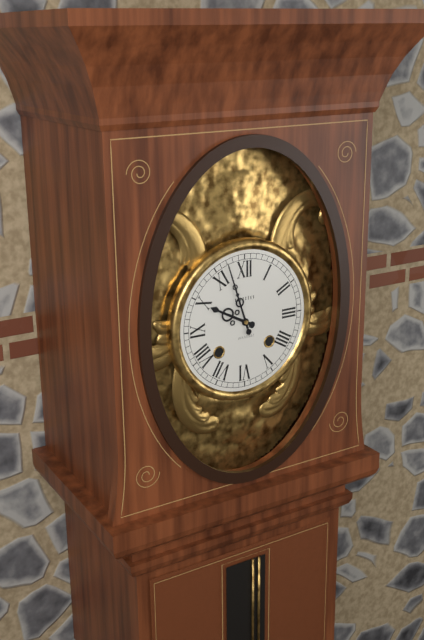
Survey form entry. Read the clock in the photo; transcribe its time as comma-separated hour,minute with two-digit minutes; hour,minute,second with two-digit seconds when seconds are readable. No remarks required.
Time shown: 9,57
